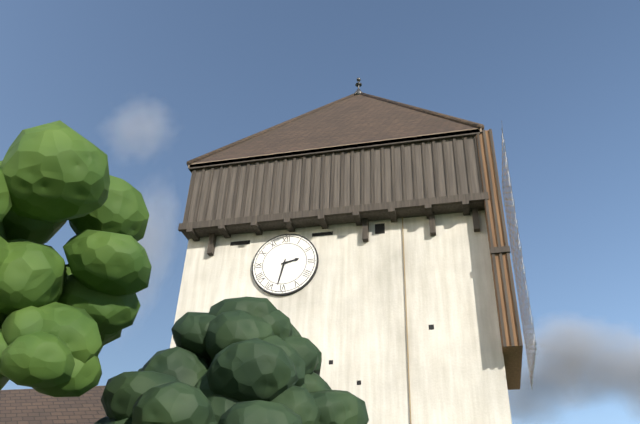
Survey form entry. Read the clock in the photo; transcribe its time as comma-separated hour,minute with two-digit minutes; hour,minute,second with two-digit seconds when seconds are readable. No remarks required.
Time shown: 2,32
